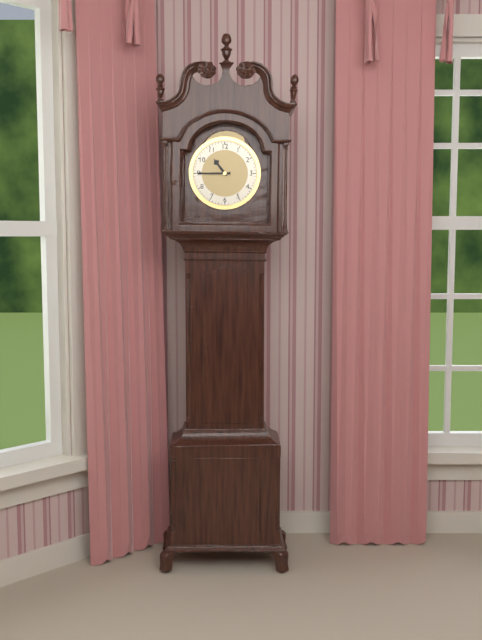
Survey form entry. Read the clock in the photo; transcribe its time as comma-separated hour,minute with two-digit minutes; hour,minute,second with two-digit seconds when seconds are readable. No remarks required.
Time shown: 10,45
